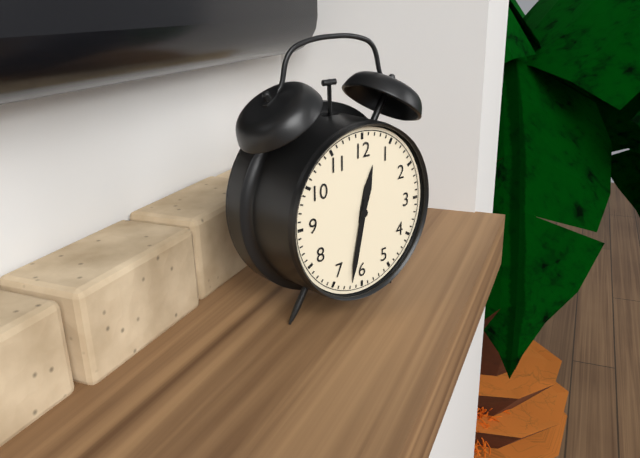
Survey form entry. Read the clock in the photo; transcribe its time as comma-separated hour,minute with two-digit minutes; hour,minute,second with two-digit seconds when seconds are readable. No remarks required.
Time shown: 12,32
